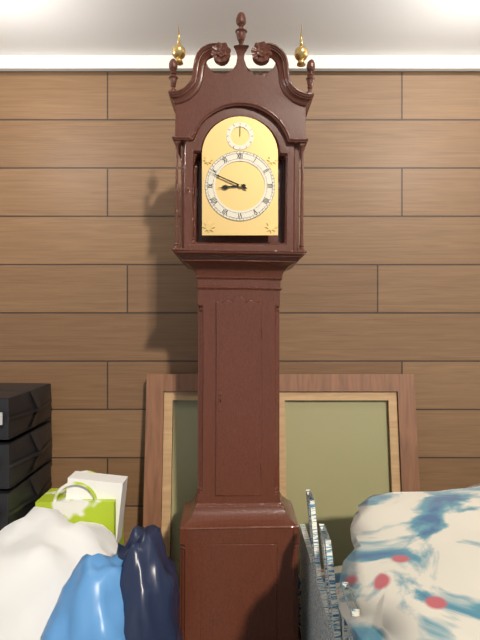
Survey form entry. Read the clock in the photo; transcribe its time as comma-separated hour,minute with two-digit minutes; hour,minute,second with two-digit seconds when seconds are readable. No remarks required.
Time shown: 8,49
